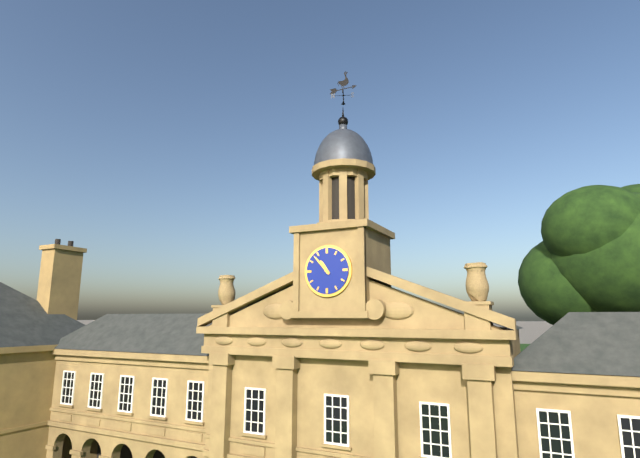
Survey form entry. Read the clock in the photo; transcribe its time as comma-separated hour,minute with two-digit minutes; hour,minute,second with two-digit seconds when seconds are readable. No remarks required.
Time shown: 10,53
